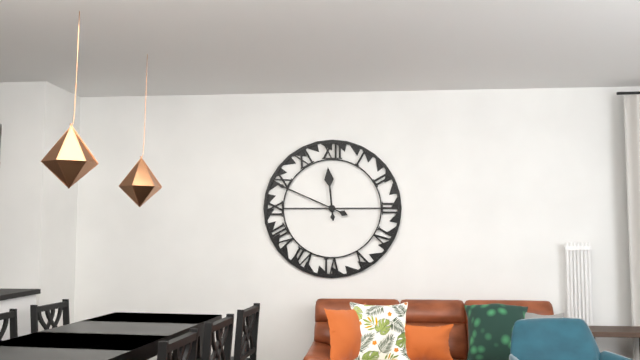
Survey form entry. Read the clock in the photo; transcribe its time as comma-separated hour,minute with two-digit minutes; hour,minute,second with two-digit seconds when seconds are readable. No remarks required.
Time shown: 11,49
